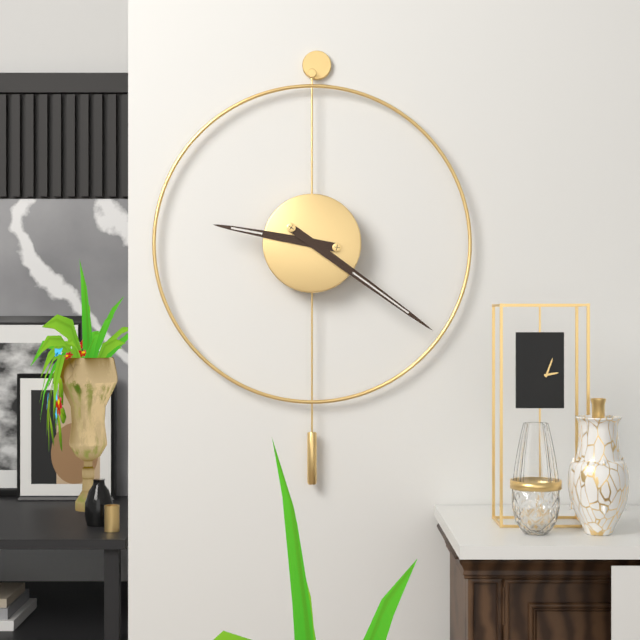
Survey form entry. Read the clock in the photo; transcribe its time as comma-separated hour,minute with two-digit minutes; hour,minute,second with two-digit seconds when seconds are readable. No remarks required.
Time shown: 9,21
